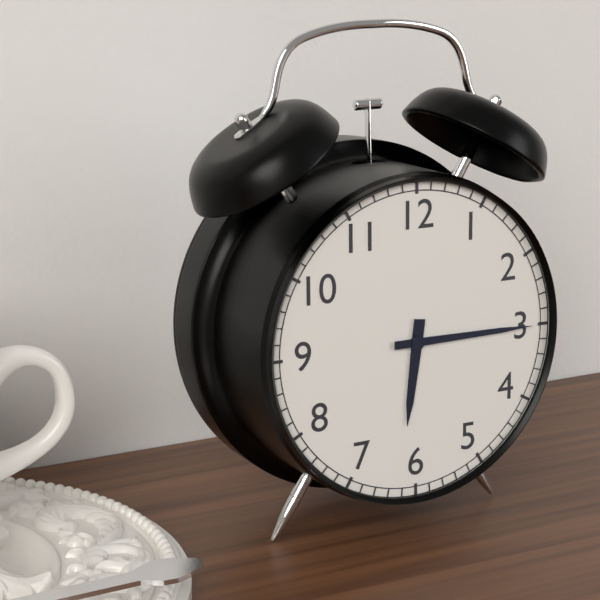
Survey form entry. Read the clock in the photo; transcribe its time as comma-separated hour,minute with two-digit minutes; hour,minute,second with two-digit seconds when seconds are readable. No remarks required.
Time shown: 6,15
